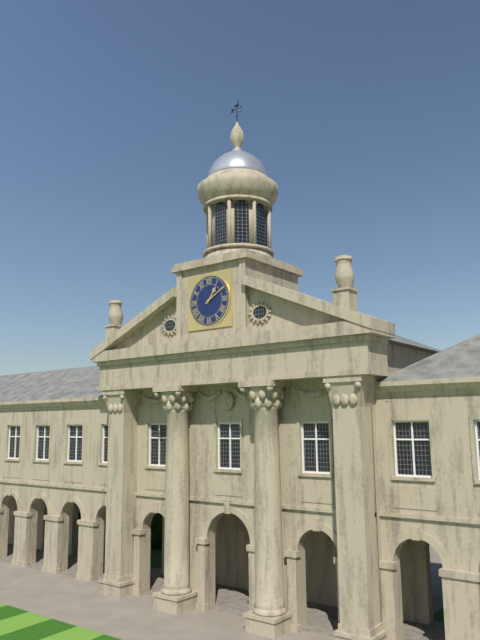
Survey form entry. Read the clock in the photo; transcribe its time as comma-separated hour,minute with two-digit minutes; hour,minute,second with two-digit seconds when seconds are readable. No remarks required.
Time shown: 1,10
